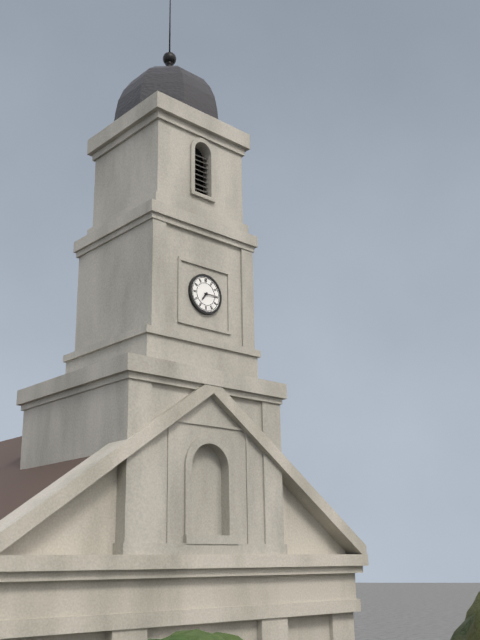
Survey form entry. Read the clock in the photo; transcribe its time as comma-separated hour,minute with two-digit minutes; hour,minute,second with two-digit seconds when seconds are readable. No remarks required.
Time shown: 7,15
